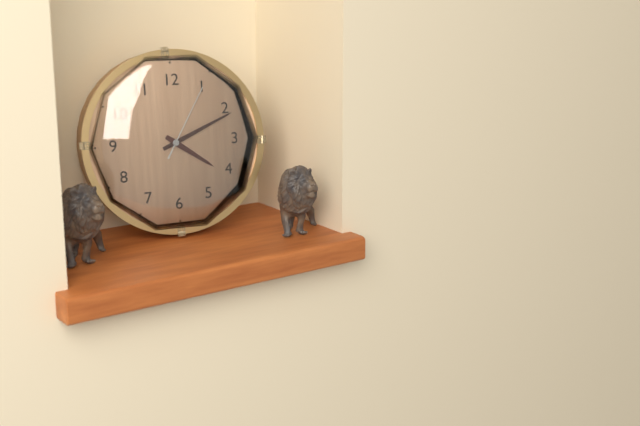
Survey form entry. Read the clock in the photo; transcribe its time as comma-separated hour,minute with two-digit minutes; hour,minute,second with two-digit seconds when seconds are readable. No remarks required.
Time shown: 4,11,05
